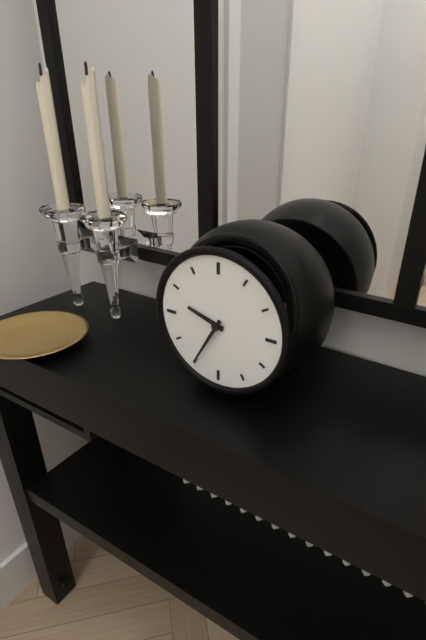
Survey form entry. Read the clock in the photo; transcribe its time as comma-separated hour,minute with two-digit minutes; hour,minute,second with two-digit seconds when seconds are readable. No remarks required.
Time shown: 9,35
